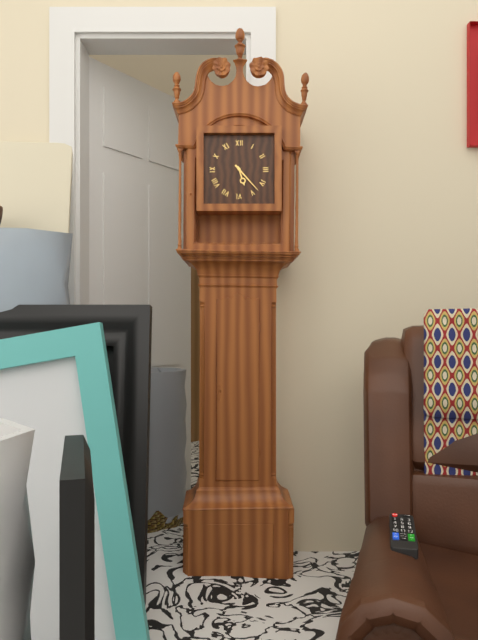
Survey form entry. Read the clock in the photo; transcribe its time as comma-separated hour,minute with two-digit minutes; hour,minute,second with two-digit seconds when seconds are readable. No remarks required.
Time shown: 5,23
